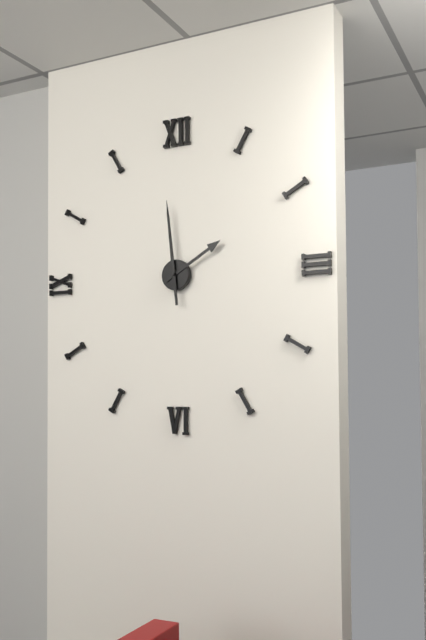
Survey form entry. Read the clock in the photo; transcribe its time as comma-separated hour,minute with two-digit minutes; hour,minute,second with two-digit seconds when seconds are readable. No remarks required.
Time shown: 1,59
